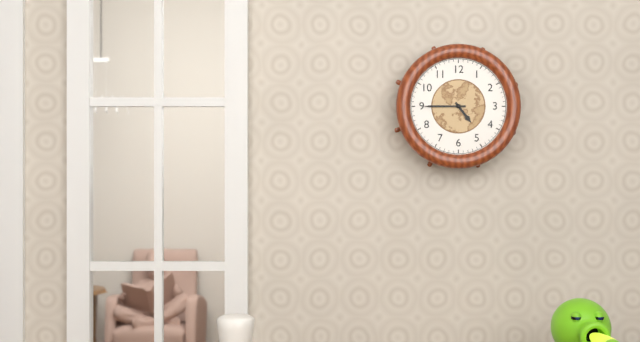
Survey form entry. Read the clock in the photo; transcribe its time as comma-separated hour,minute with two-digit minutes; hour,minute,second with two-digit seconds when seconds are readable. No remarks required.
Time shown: 4,45
